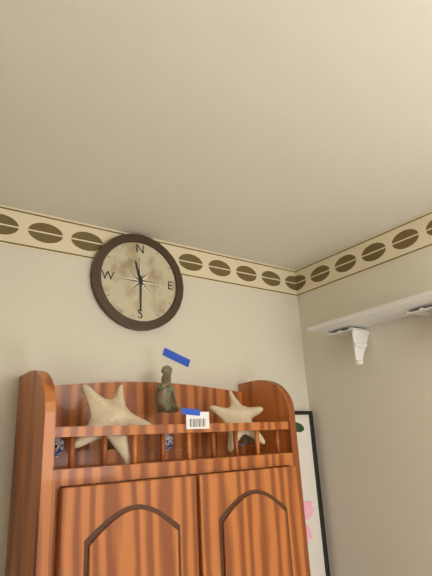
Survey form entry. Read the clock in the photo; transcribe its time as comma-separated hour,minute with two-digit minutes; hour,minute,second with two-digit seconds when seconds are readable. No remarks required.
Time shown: 11,30
